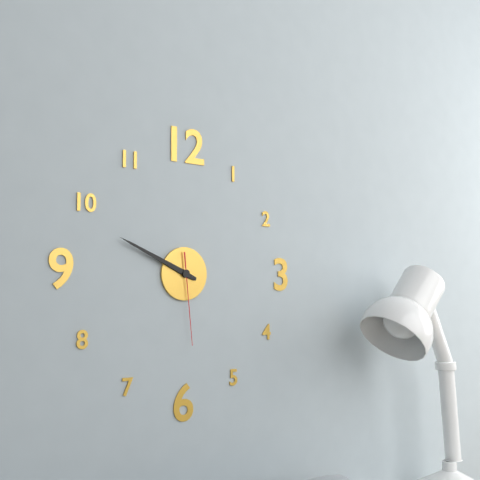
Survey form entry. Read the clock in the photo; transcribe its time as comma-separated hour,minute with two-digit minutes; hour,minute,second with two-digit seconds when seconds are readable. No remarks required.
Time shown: 9,49,29
